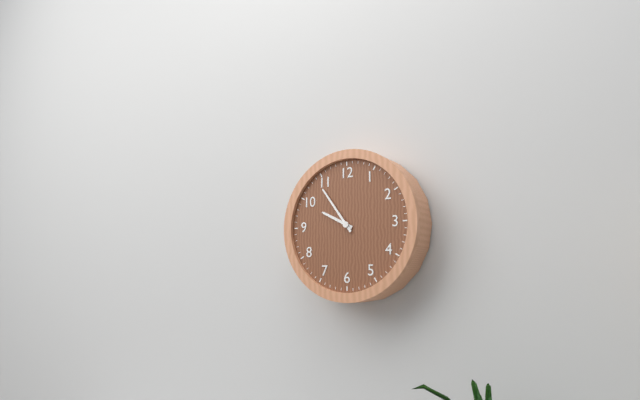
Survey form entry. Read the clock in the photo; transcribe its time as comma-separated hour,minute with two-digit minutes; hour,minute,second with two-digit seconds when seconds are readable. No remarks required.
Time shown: 9,54
